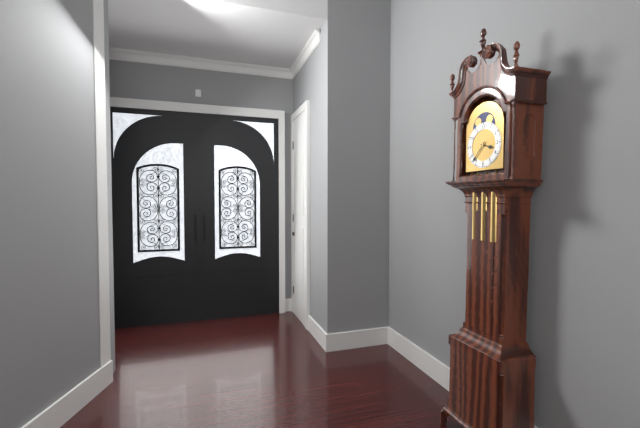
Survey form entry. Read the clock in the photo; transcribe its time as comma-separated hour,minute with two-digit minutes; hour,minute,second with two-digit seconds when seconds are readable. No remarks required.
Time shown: 3,37
